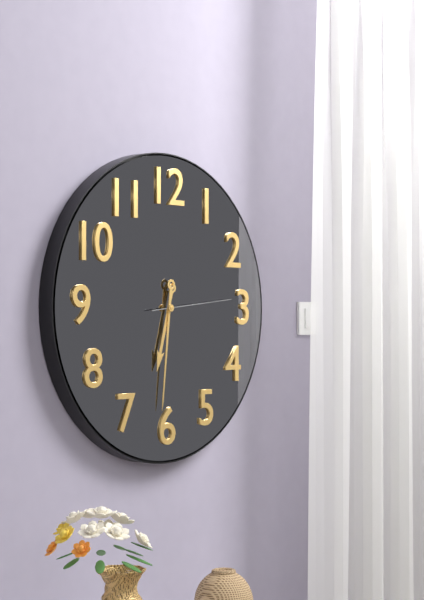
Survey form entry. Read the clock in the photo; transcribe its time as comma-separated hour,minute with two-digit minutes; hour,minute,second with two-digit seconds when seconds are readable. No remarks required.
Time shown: 6,31,14
